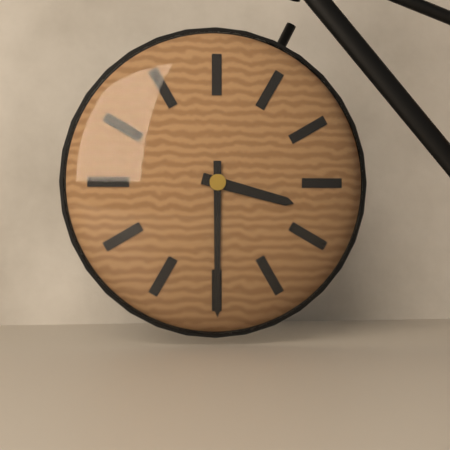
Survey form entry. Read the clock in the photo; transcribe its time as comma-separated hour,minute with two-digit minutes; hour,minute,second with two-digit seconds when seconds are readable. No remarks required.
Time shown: 3,30
